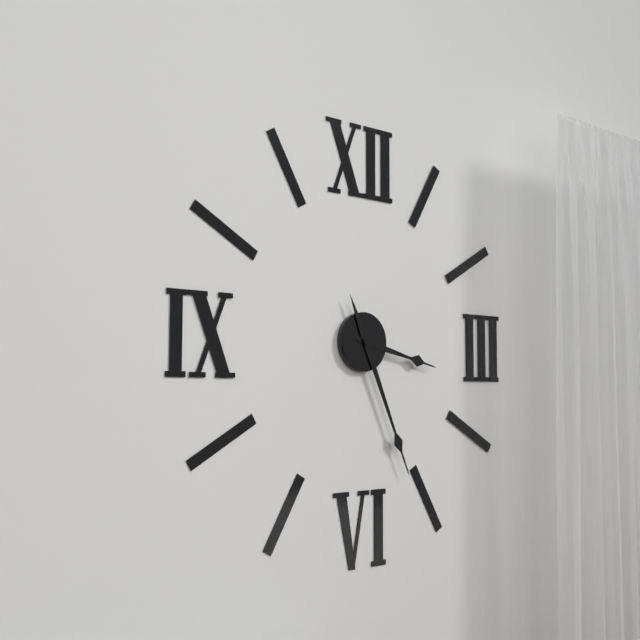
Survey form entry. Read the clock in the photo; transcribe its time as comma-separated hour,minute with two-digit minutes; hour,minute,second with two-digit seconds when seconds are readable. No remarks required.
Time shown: 3,26
